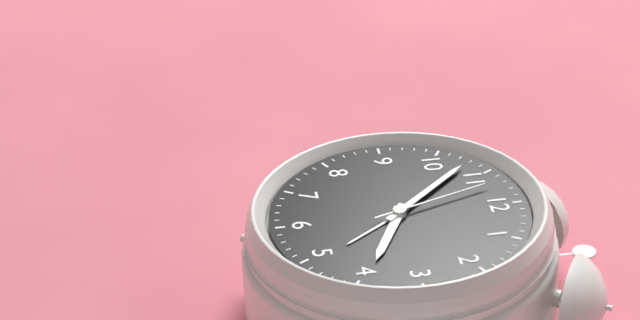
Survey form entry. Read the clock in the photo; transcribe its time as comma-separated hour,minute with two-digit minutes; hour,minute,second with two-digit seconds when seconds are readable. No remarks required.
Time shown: 3,53,57
